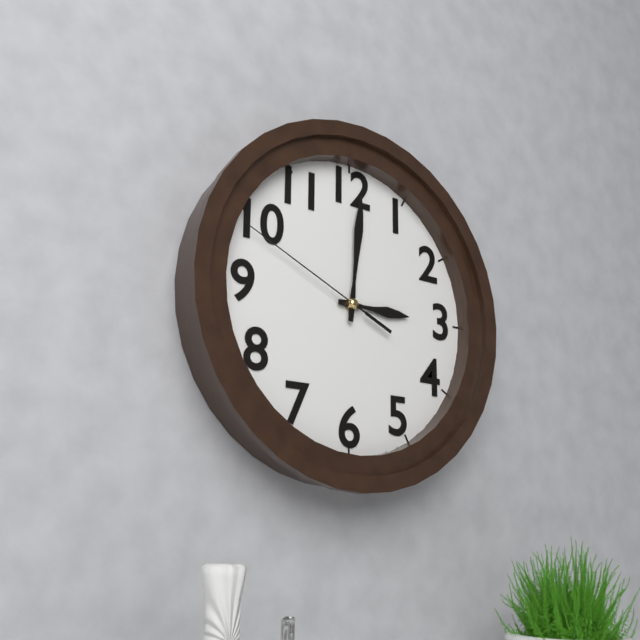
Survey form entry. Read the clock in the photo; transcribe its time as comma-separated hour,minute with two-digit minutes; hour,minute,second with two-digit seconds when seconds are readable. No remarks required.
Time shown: 3,01,49
